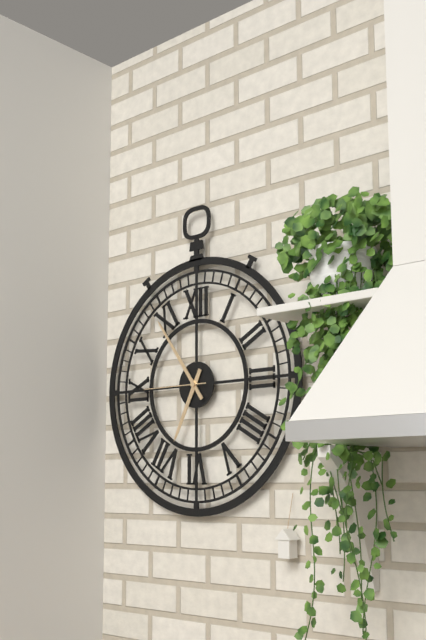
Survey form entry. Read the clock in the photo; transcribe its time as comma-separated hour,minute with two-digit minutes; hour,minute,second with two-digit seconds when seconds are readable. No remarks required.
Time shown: 6,54,45
